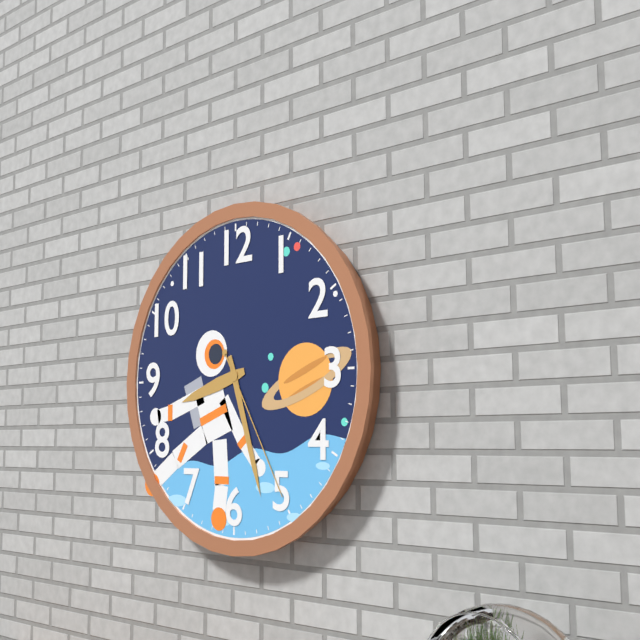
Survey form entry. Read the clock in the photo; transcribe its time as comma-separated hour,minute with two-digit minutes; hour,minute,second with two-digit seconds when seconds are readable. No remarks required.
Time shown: 8,27,25
